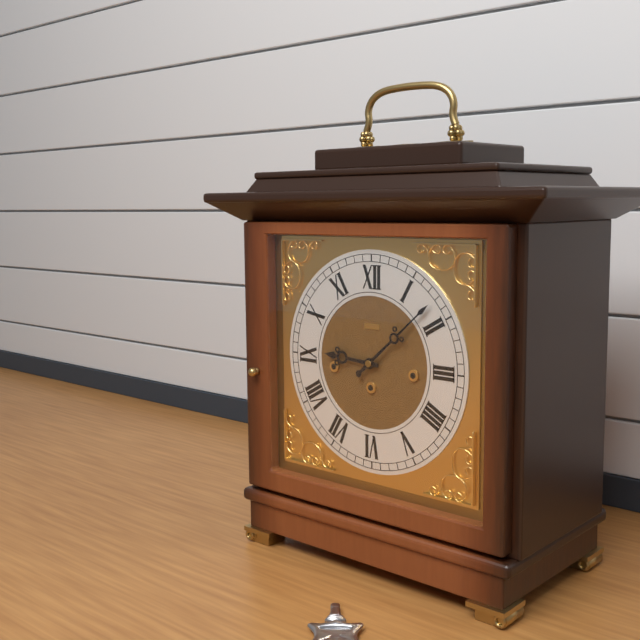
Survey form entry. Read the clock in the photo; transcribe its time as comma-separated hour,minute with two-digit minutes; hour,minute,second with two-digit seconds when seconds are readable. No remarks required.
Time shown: 9,08
